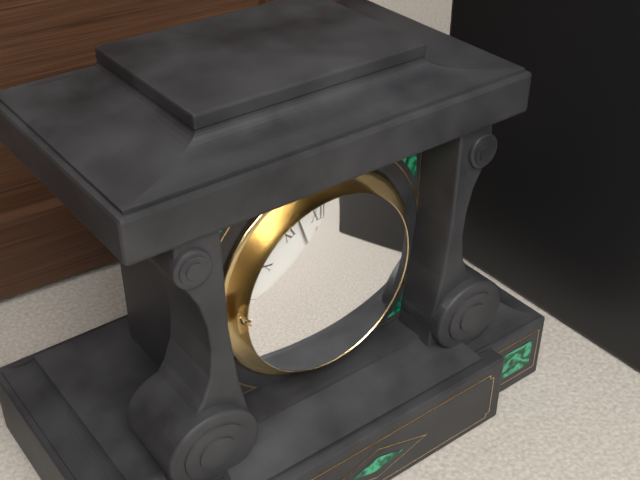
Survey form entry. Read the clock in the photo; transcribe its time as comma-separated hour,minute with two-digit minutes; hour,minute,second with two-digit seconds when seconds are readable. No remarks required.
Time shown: 11,57
